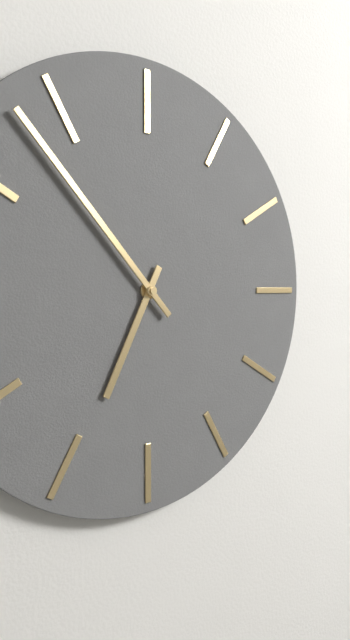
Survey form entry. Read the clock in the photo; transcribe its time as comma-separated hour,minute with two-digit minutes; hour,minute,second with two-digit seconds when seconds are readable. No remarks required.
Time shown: 6,53
